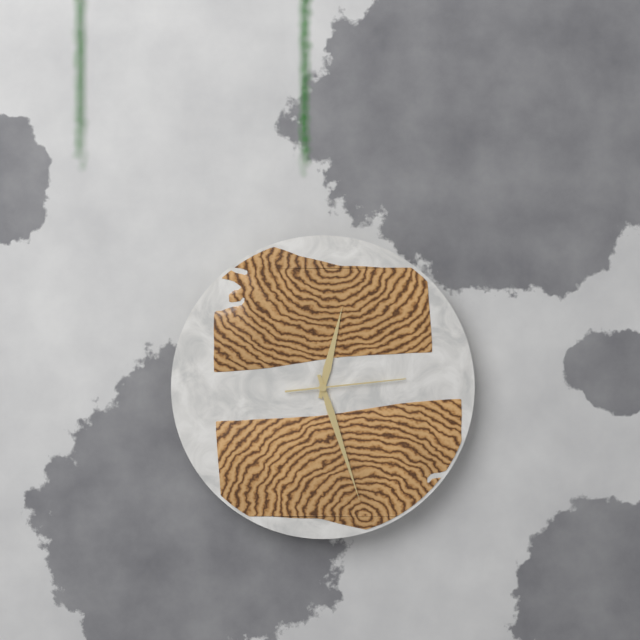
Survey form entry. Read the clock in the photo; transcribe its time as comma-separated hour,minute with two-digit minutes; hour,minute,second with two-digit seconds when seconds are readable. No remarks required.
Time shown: 12,27,14
